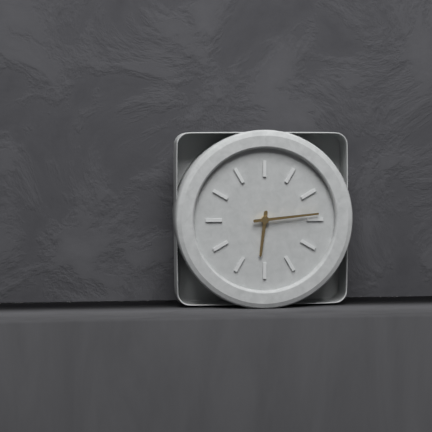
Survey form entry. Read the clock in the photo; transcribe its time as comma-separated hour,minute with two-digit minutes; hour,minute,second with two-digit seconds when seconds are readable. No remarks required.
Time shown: 6,14
